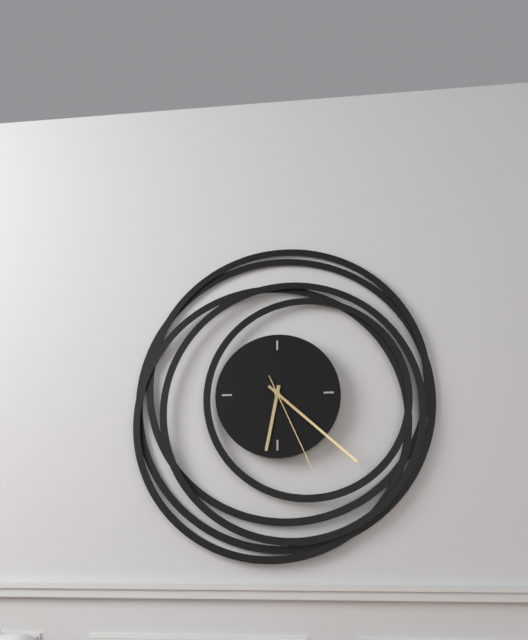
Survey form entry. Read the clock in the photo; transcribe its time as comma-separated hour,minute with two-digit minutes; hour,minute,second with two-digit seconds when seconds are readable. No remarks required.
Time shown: 6,22,26
